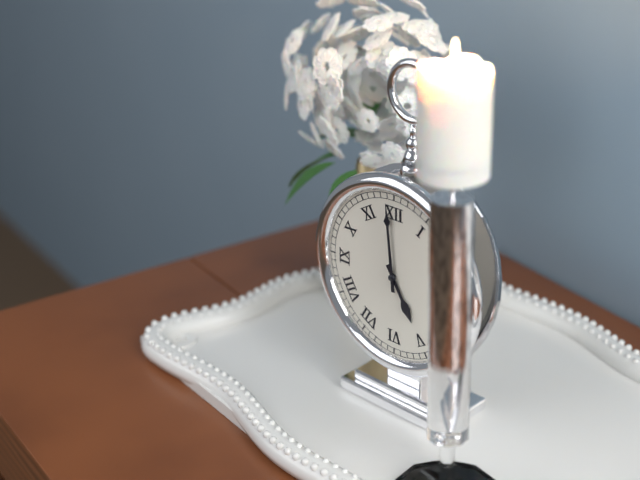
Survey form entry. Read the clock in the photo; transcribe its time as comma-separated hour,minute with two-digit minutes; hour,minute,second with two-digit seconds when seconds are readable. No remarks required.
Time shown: 4,59
